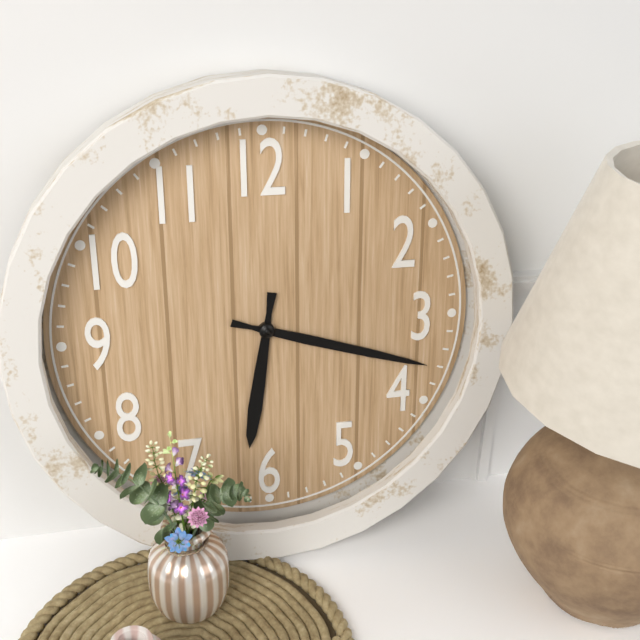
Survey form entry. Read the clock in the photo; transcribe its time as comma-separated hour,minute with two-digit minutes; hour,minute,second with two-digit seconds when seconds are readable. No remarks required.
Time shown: 6,18
